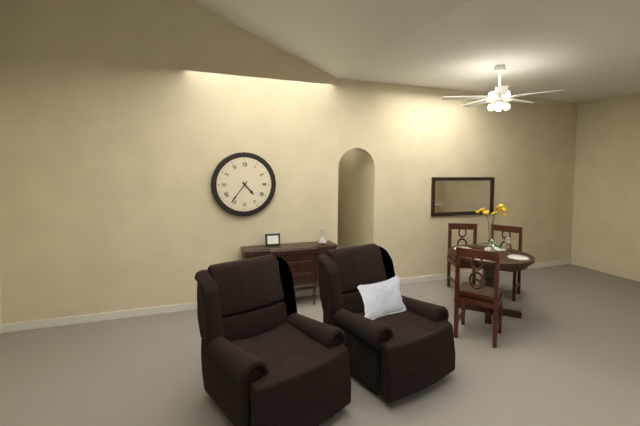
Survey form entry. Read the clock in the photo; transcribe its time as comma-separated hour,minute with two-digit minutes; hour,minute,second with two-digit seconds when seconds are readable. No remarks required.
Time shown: 4,36
